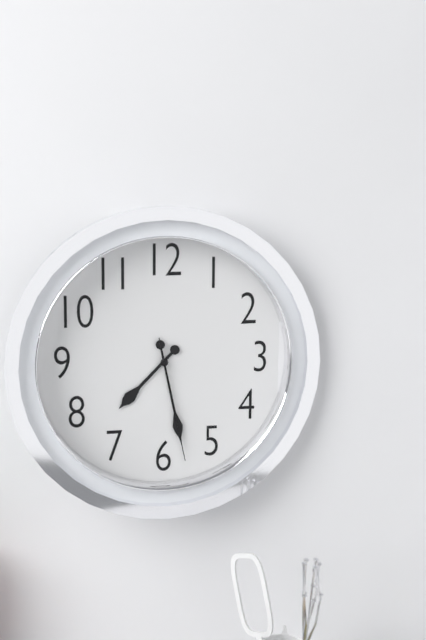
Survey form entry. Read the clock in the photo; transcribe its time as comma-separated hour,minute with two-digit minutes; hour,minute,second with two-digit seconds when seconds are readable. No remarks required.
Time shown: 7,28,28
